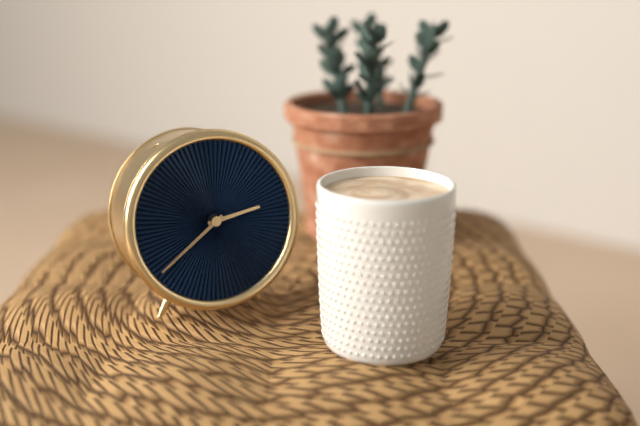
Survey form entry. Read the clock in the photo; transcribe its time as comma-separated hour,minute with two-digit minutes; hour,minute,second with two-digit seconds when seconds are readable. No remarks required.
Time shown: 2,39
